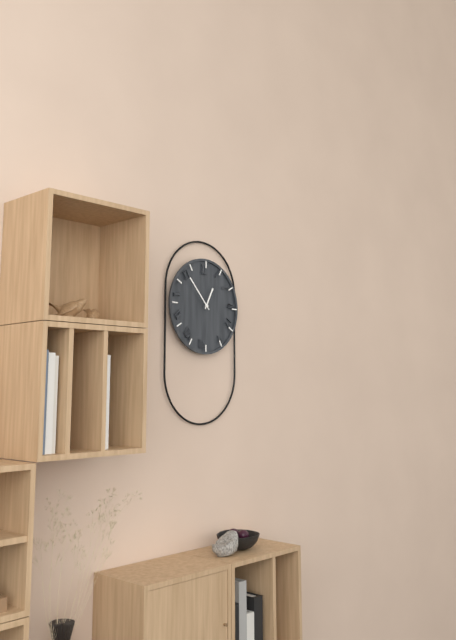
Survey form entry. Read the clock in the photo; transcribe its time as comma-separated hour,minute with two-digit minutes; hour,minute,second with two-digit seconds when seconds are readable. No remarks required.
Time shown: 12,53
